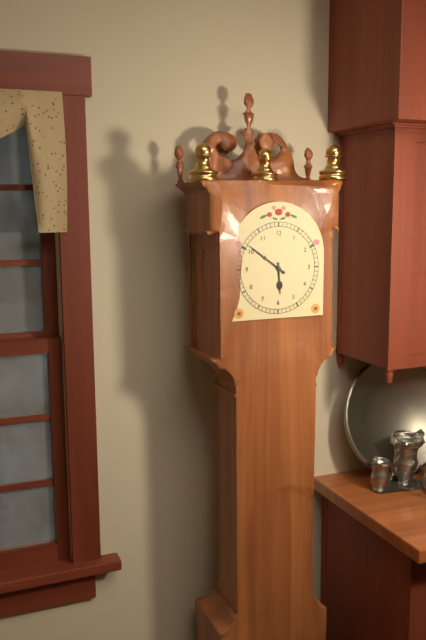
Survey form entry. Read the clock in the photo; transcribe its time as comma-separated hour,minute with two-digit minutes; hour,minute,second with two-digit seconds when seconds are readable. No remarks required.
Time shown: 5,51
